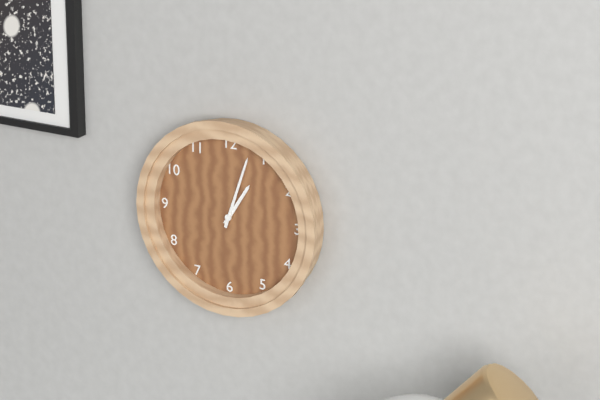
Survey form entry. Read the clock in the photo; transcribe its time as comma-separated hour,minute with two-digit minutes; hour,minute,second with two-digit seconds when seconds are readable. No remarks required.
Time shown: 1,03
